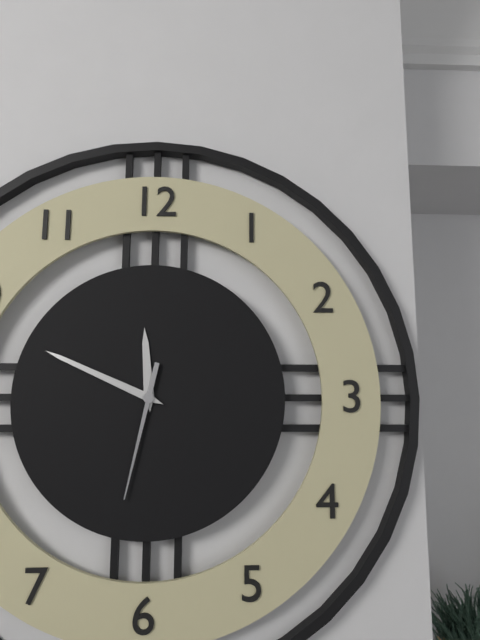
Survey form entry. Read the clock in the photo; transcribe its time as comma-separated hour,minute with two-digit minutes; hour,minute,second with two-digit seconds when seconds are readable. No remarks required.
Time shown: 11,49,32
